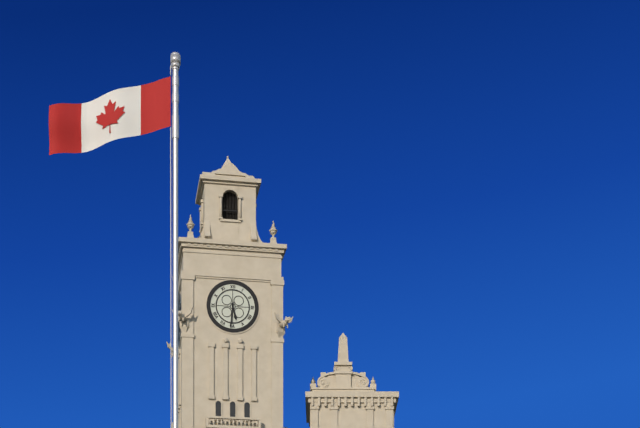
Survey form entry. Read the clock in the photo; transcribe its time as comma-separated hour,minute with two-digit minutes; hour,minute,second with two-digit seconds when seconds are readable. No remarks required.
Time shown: 5,31
